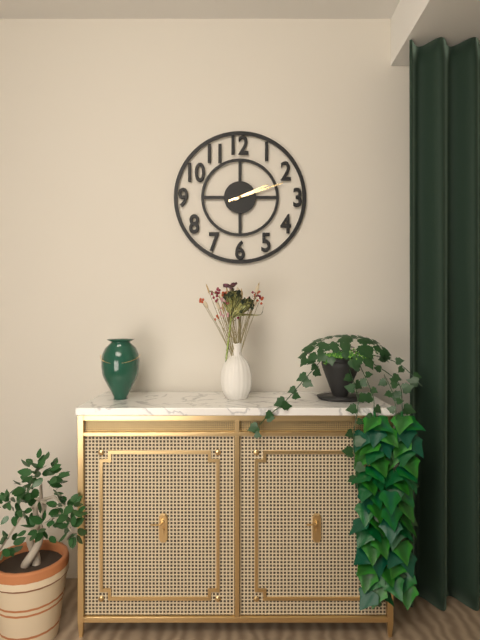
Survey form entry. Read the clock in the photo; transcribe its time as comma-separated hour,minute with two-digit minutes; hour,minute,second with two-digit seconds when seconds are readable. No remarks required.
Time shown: 2,12
